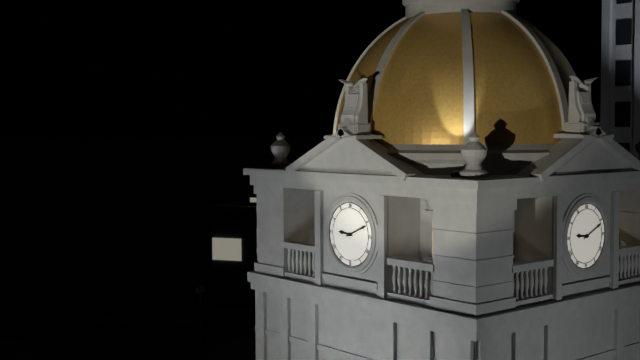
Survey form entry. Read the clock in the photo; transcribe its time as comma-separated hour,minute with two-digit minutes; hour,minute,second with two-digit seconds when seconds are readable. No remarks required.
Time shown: 9,11
